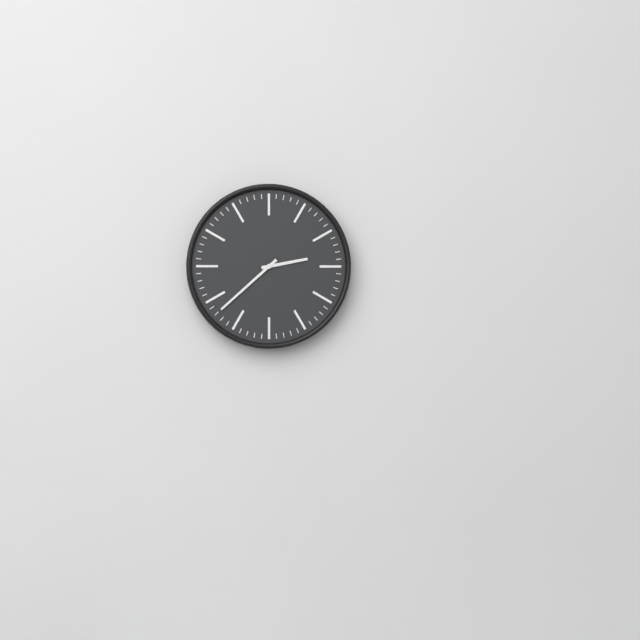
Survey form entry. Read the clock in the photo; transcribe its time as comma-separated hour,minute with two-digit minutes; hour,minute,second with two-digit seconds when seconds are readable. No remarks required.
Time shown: 2,38
